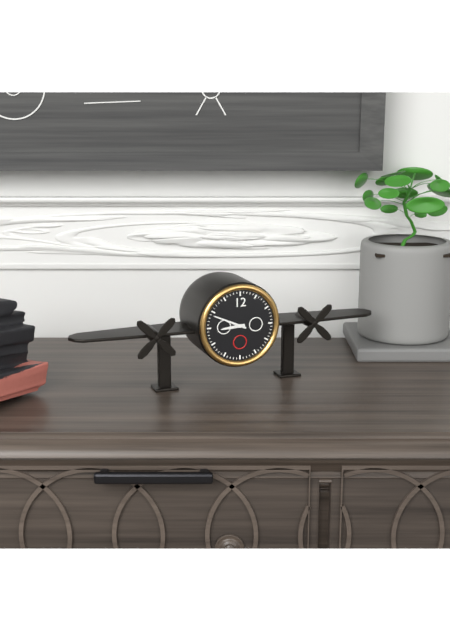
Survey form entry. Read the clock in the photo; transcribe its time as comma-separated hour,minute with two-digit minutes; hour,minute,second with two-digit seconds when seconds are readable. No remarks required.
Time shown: 8,49
